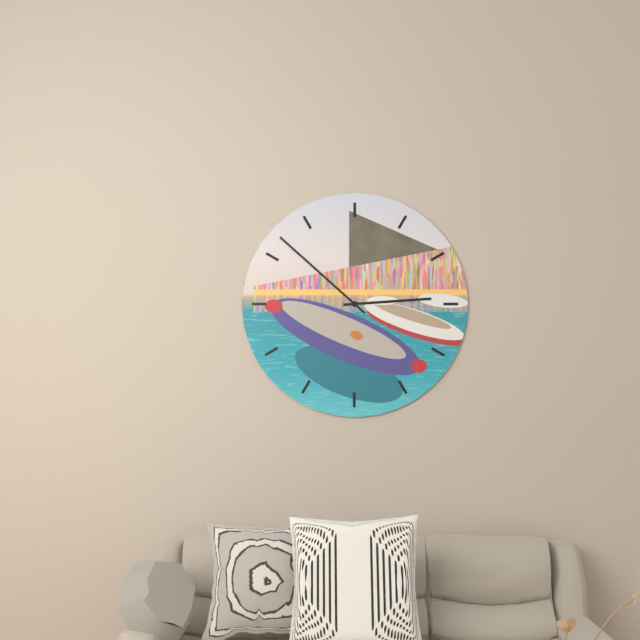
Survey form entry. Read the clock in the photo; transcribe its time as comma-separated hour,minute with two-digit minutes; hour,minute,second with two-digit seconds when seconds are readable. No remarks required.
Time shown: 2,52
